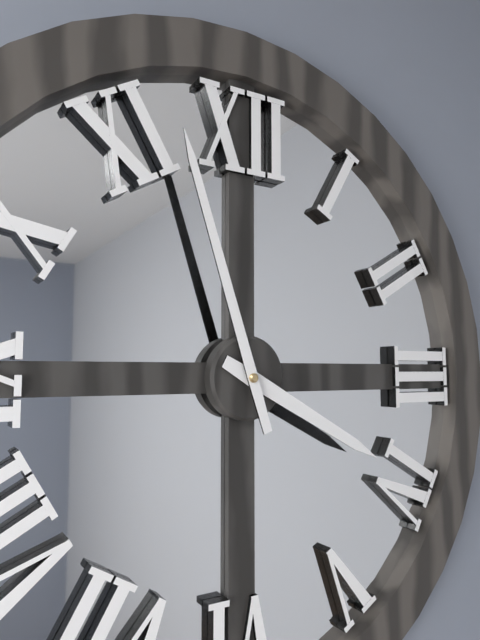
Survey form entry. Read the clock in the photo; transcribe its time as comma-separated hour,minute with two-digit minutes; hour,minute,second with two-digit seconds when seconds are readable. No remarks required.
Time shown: 3,57
